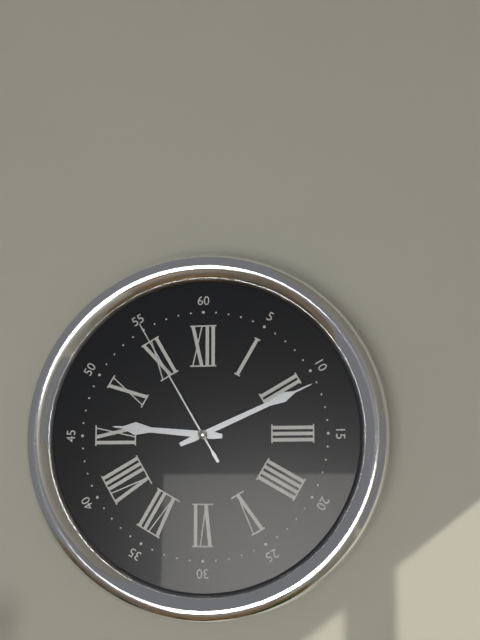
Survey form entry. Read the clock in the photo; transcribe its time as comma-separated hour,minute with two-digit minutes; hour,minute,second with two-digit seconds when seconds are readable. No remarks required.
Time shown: 9,11,55
